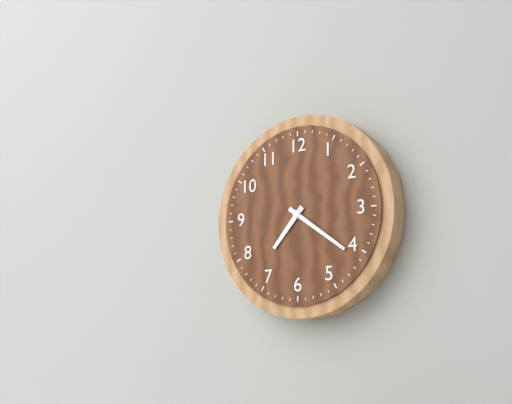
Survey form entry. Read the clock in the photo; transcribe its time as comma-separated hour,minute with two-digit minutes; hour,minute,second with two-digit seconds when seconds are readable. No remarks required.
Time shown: 7,21
